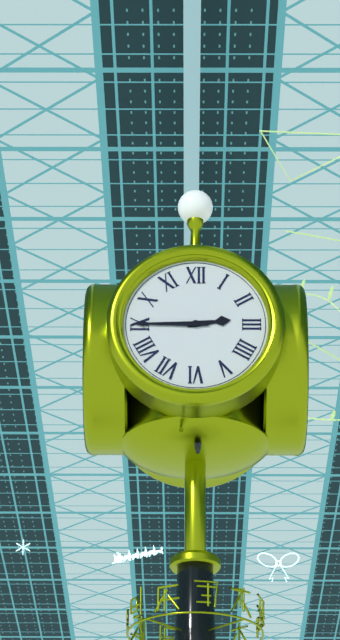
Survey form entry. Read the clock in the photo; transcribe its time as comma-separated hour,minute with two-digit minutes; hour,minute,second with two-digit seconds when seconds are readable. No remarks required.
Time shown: 2,45
